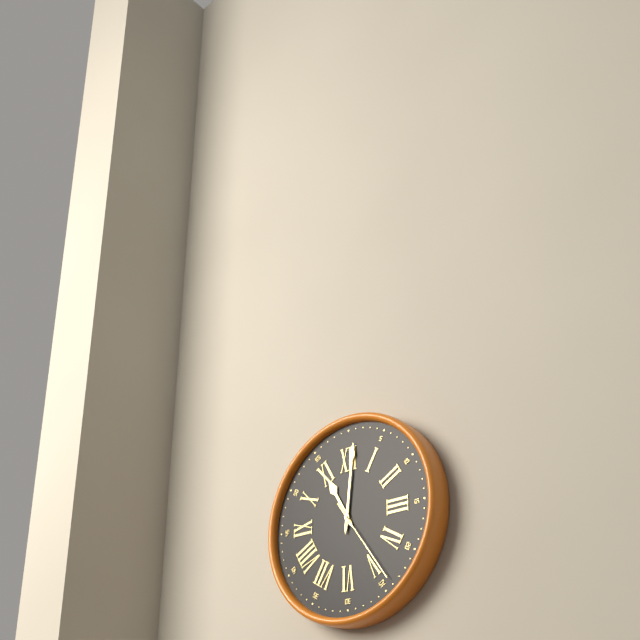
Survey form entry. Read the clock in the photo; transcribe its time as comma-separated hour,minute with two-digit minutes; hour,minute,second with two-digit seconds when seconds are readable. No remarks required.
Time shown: 11,01,24
